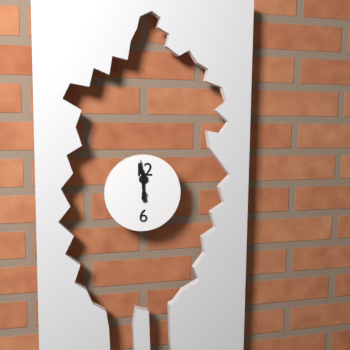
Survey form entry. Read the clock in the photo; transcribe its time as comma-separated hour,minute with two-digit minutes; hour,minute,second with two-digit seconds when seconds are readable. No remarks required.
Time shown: 11,59
